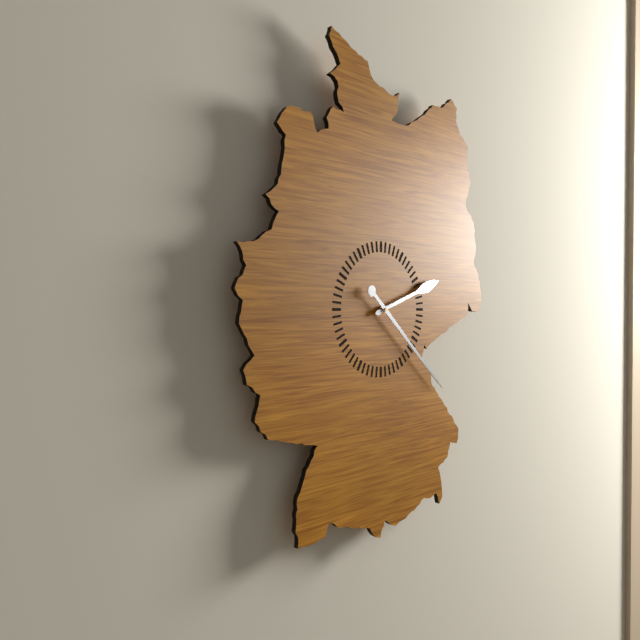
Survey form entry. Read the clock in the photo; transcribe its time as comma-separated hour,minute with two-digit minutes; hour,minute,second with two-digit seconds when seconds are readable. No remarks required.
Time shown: 2,22
